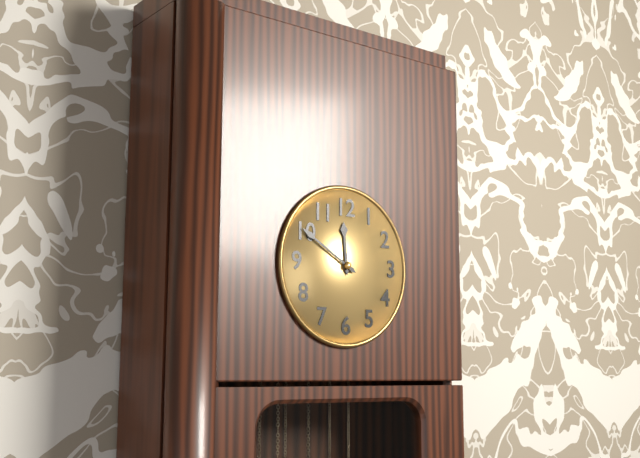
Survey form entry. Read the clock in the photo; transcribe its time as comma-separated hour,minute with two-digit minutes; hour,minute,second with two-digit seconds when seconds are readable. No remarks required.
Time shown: 11,50
